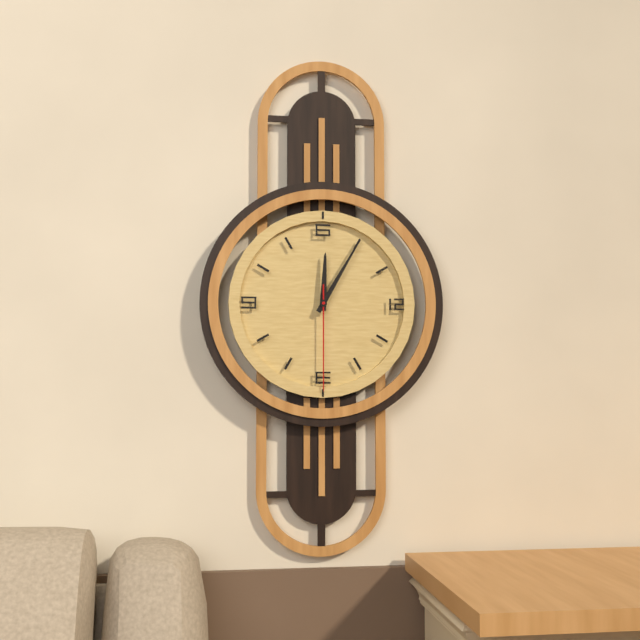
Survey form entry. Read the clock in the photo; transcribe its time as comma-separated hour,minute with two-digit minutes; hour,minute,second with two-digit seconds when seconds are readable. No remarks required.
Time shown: 12,05,30
